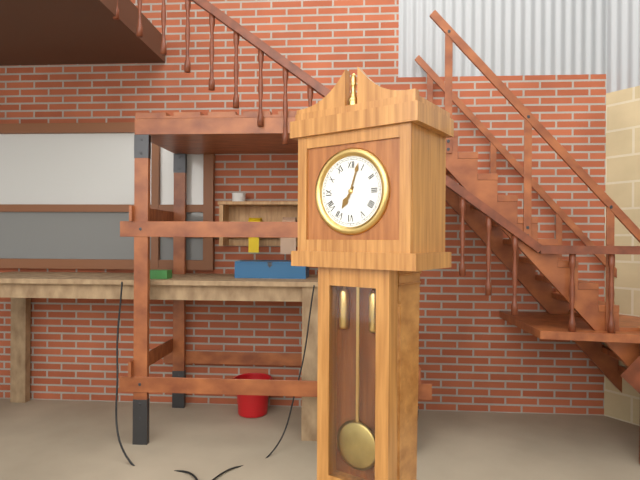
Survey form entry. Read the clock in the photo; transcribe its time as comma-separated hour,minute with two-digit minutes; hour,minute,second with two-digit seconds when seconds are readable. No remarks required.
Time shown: 7,03
